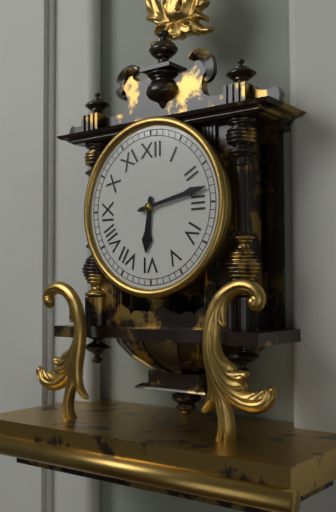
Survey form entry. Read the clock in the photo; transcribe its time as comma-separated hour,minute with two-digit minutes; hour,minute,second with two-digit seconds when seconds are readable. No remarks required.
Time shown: 6,13
